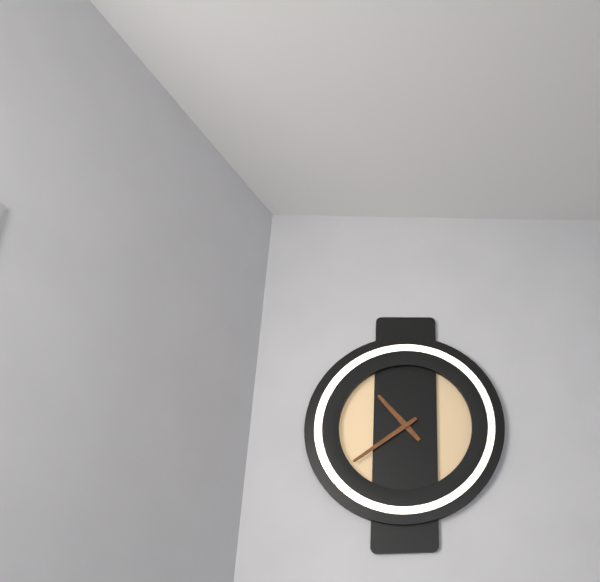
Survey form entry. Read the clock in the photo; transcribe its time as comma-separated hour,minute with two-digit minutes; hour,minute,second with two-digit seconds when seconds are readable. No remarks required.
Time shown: 10,39
